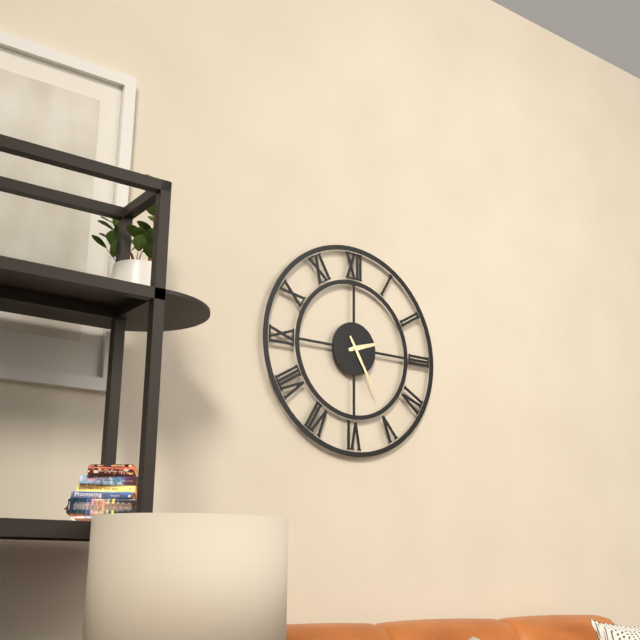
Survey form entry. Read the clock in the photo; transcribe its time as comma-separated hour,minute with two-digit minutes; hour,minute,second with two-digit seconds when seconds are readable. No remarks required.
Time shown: 2,25
